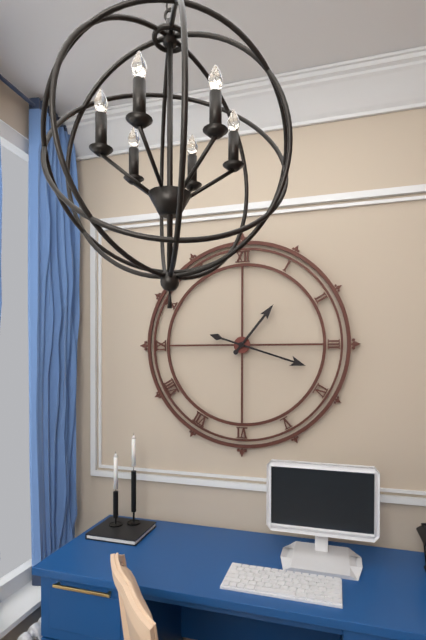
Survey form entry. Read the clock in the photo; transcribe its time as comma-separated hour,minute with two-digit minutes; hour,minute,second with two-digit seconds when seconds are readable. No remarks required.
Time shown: 1,18
